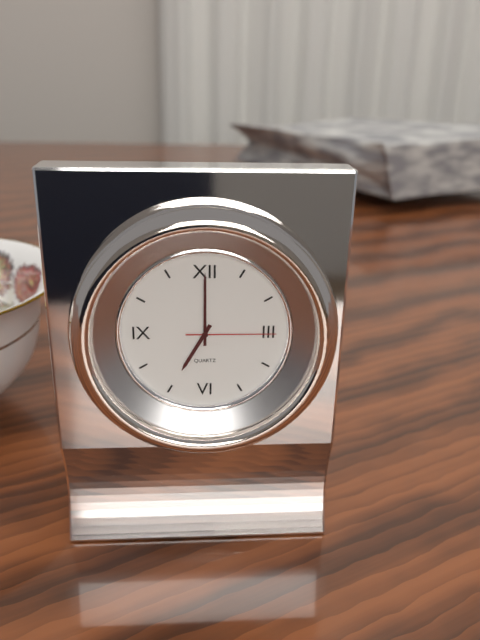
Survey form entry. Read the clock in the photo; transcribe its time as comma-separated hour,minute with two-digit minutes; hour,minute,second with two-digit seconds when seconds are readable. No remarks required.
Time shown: 7,00,15
